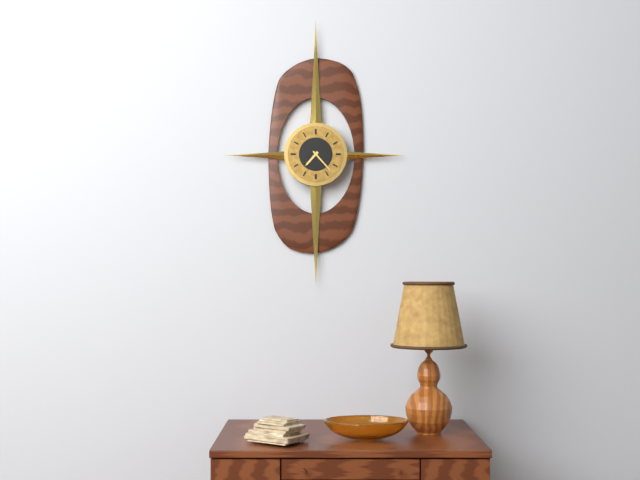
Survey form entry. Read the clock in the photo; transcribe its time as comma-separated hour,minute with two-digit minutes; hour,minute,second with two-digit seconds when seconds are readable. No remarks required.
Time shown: 7,23
